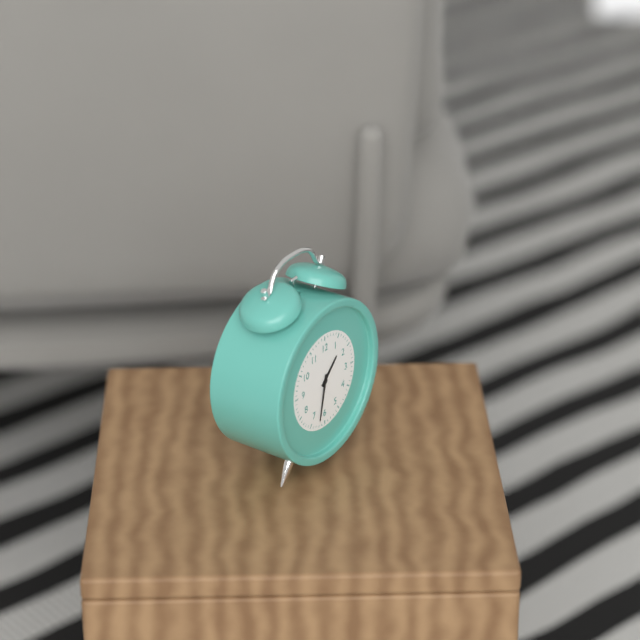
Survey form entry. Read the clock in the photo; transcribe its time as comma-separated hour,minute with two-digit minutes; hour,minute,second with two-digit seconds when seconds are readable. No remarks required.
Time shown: 1,32
